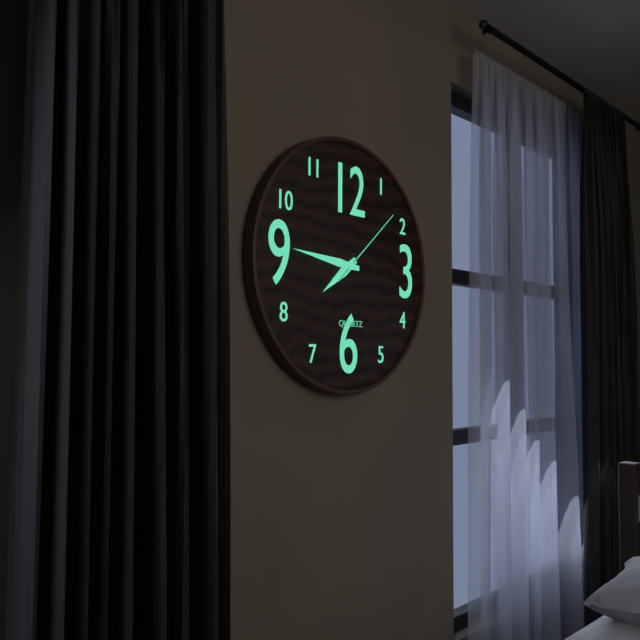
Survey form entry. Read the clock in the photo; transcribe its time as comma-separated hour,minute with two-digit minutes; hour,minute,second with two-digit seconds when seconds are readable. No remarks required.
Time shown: 7,46,08
